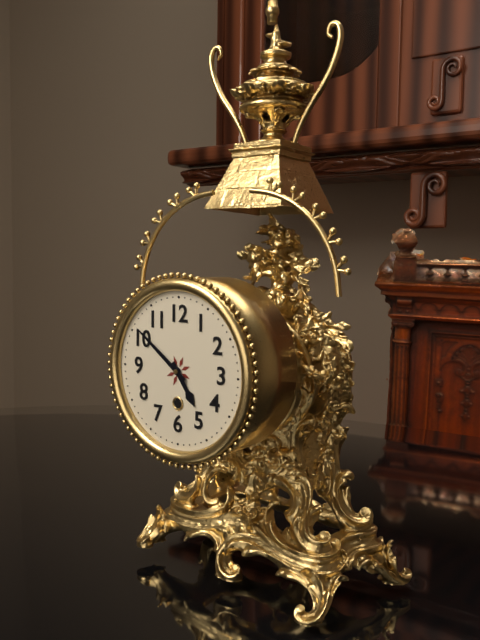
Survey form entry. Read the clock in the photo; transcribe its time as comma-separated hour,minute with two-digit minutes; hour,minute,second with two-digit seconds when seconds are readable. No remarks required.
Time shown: 4,51
